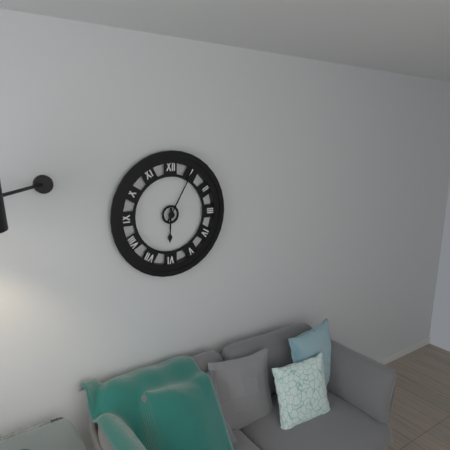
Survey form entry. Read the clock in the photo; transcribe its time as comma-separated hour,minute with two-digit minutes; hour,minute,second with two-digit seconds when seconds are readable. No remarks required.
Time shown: 6,05
